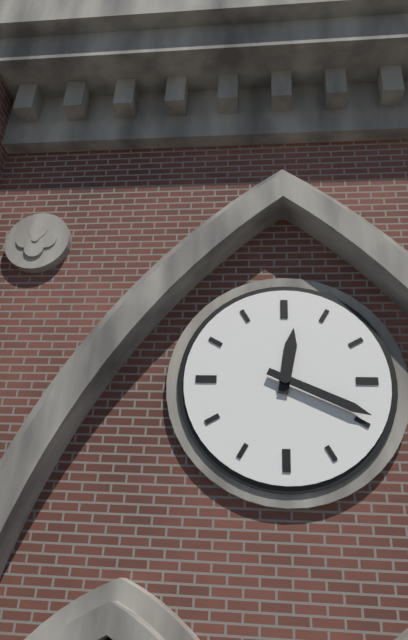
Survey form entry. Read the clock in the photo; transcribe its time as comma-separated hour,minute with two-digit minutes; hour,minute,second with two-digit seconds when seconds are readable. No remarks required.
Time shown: 12,19
